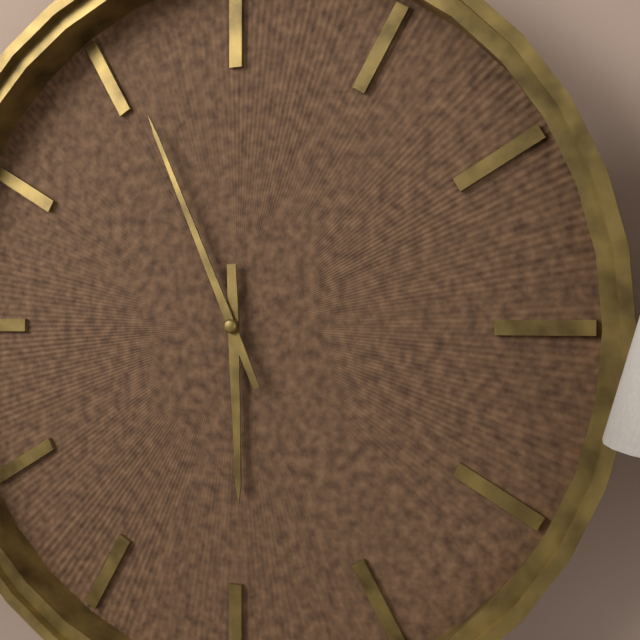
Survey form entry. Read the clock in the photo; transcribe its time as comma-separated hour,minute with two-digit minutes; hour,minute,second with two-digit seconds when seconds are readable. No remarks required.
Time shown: 5,56
